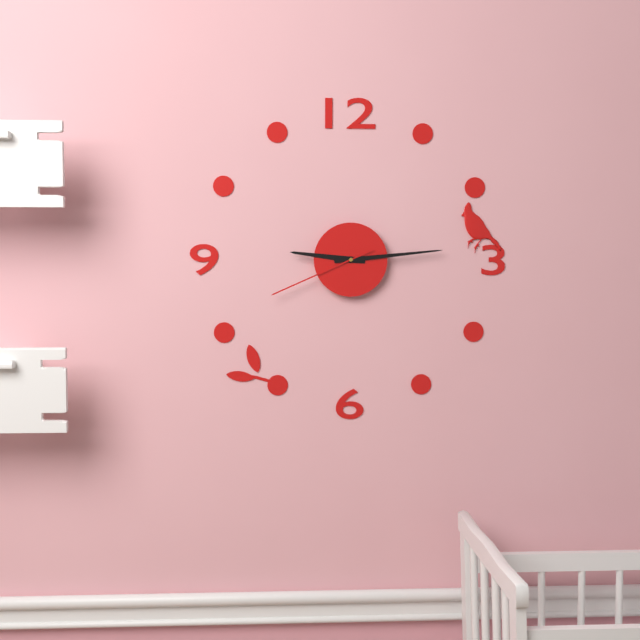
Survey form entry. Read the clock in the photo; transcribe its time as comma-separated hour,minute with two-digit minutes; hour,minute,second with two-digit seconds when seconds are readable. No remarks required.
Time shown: 9,14,41
